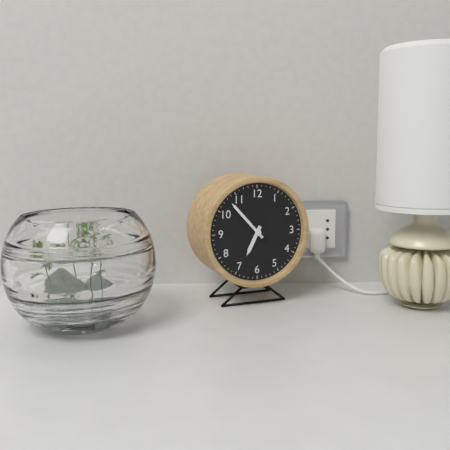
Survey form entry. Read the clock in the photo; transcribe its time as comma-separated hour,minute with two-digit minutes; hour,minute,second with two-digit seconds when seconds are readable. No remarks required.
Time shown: 6,53
